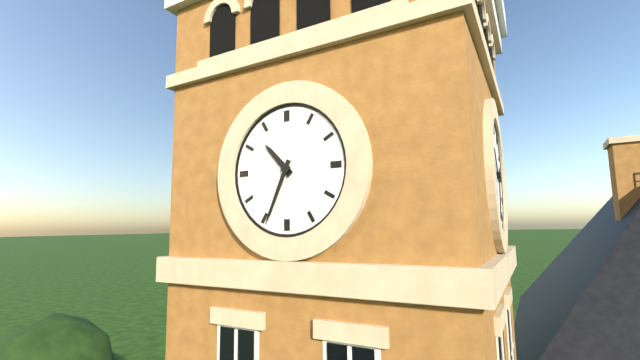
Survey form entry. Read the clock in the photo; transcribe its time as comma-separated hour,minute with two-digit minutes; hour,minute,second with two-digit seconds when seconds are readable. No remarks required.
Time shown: 10,34
